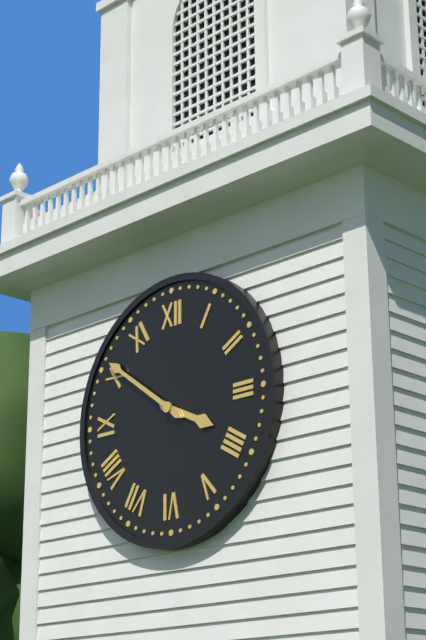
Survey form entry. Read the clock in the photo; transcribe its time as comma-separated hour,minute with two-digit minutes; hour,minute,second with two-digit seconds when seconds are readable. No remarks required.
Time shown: 3,51
